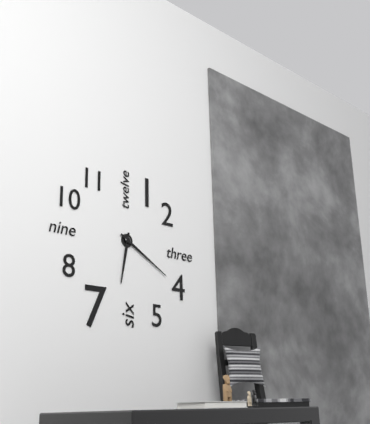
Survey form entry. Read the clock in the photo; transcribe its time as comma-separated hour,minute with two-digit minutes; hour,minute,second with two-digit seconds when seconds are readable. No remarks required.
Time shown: 6,20
